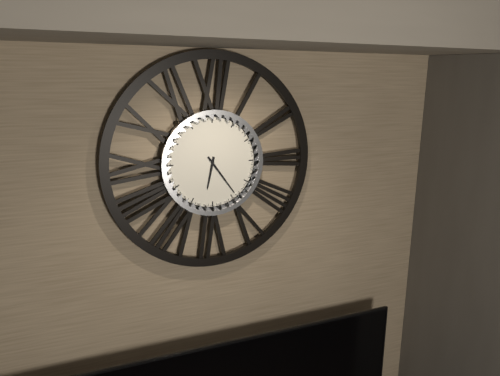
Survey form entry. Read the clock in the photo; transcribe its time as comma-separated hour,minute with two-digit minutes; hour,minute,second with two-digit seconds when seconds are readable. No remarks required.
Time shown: 6,24
